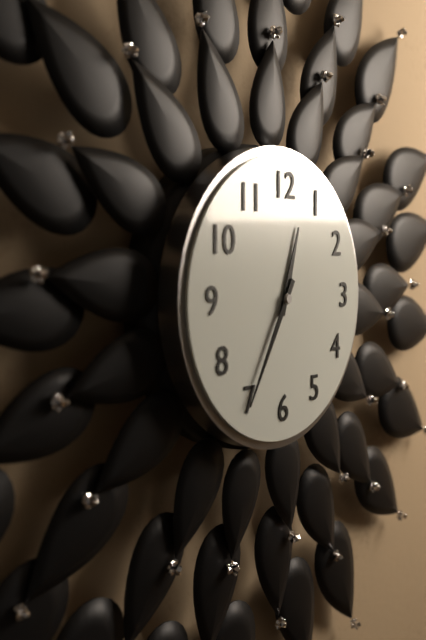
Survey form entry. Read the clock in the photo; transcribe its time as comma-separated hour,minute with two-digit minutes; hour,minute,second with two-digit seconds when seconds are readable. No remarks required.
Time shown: 12,35
